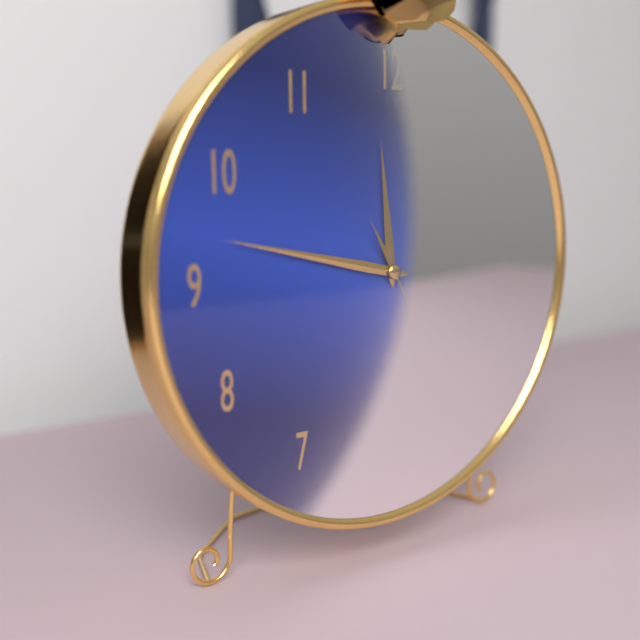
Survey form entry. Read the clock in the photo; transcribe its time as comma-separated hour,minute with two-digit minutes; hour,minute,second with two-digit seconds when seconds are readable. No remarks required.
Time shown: 11,47,25
